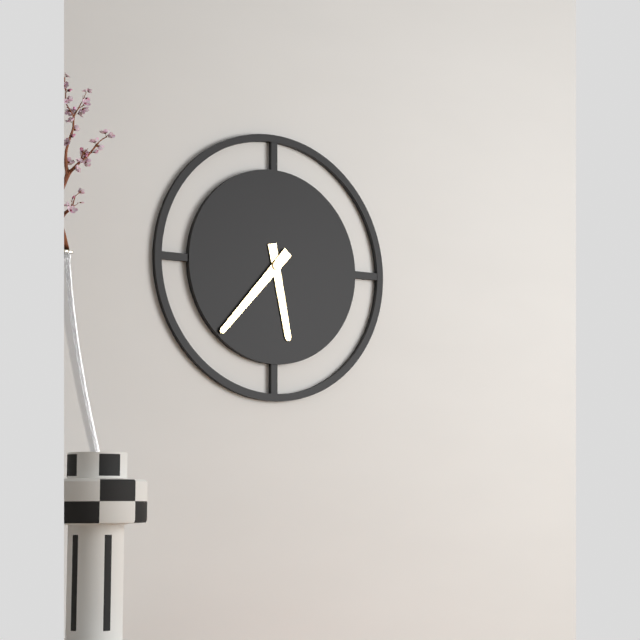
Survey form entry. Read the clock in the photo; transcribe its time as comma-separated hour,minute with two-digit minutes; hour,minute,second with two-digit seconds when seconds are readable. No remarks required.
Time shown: 5,37
